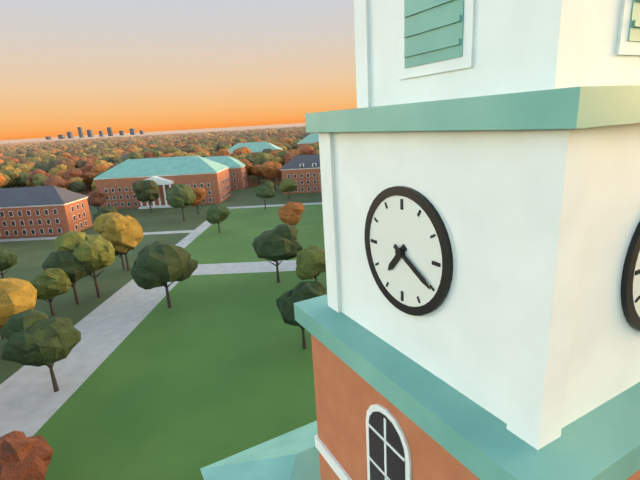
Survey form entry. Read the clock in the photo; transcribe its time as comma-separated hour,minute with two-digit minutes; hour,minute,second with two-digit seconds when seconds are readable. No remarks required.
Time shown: 7,20
